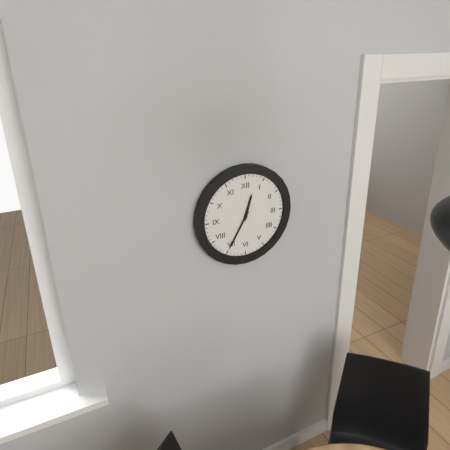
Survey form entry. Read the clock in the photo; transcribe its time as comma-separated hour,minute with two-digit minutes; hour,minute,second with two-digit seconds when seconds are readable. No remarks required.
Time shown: 12,35
